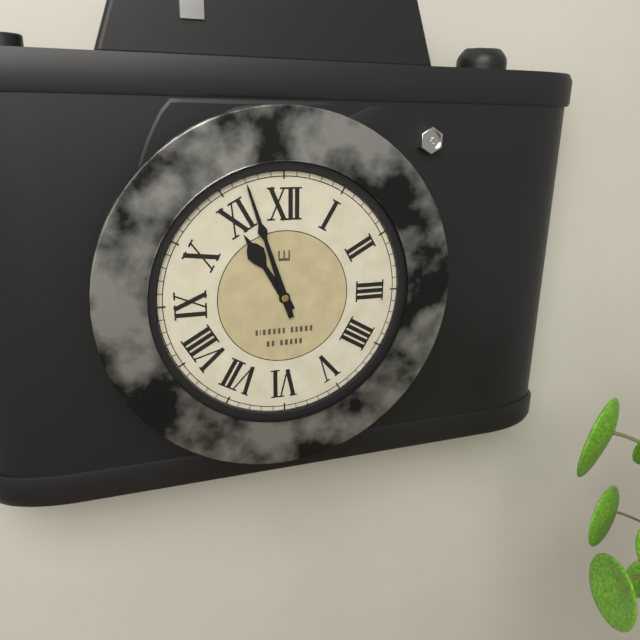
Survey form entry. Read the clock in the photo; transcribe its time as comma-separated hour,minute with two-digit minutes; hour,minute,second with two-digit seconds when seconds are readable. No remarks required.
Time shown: 10,57
